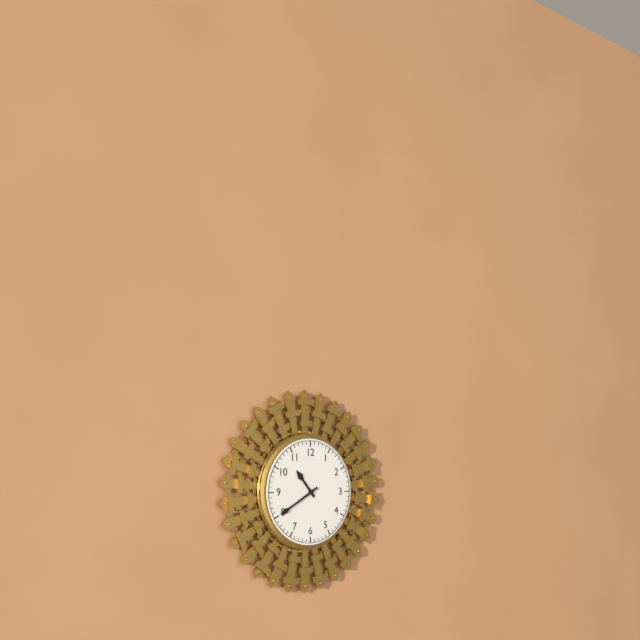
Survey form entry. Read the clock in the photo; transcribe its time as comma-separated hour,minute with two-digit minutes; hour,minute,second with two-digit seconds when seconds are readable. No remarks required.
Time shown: 10,40
